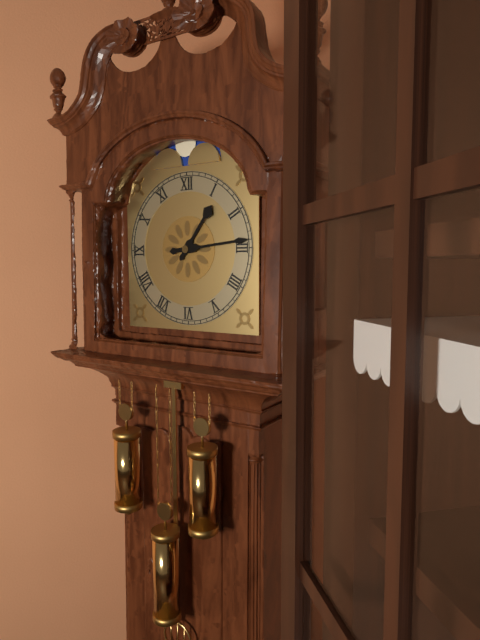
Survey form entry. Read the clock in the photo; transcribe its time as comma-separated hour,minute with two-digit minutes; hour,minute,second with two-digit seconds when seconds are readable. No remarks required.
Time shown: 1,14
